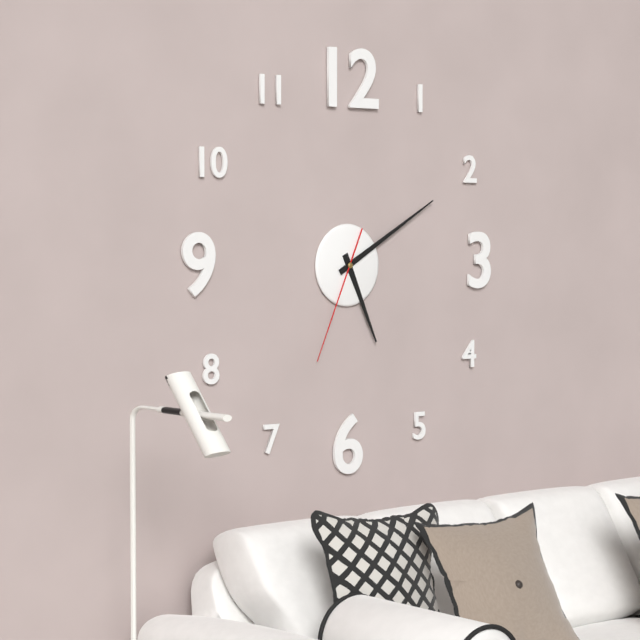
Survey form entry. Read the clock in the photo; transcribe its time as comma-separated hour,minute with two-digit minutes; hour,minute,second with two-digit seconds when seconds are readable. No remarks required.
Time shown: 5,10,34
